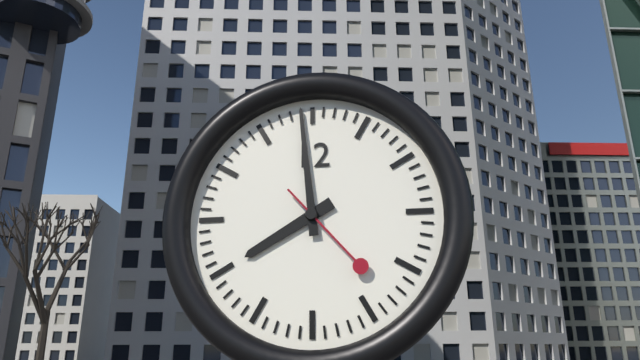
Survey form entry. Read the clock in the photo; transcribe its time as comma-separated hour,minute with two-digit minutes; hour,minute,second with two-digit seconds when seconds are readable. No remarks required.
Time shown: 7,59,23
